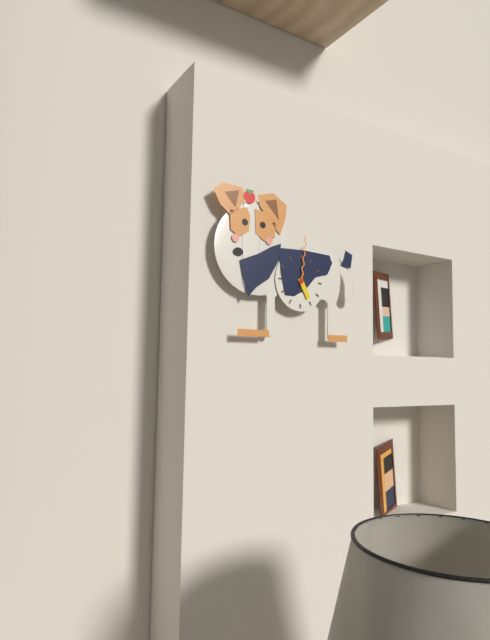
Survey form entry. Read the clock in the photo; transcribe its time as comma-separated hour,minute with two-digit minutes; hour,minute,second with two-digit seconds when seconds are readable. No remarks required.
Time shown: 5,01
